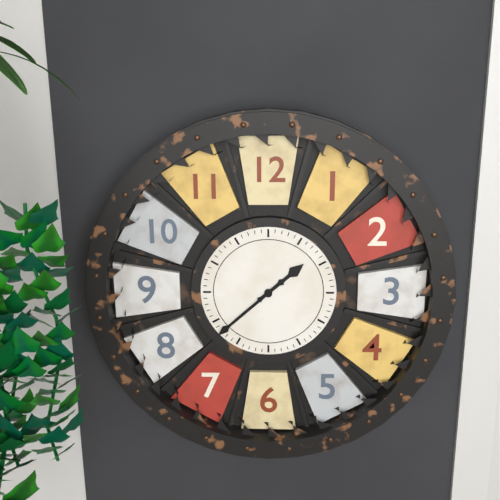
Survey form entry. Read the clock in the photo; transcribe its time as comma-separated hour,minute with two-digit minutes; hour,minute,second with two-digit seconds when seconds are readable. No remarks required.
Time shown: 1,38
